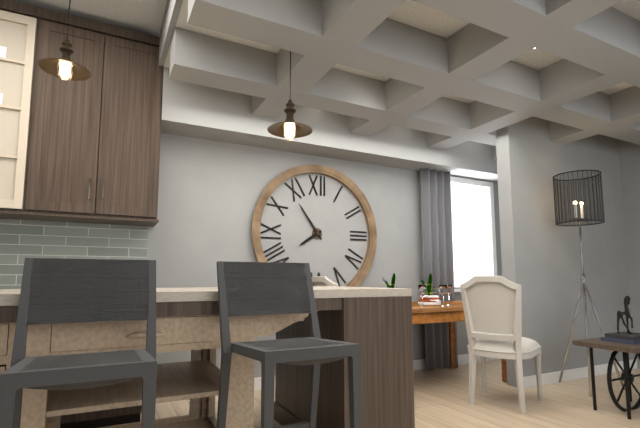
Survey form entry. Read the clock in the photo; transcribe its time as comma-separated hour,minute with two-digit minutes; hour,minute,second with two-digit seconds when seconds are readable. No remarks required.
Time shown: 7,54
